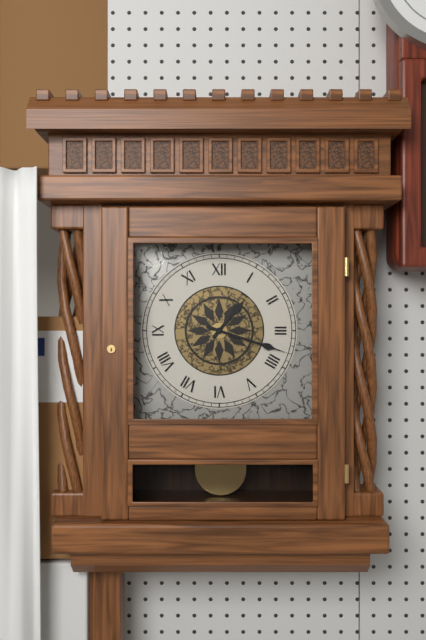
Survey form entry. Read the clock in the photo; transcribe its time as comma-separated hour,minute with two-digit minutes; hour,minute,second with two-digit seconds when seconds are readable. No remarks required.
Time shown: 1,18
